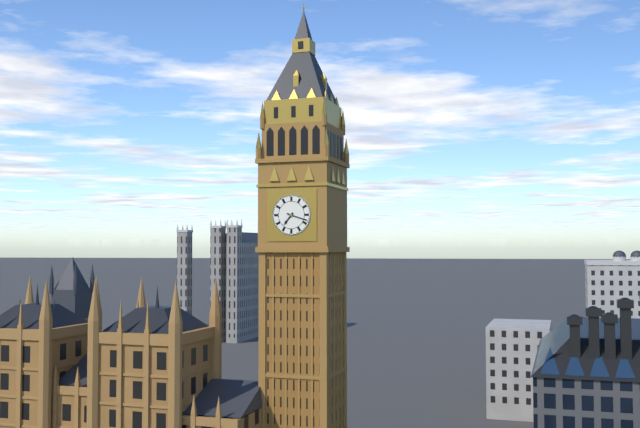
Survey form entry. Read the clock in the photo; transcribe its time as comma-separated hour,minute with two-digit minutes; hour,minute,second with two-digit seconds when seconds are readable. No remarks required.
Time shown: 7,18
